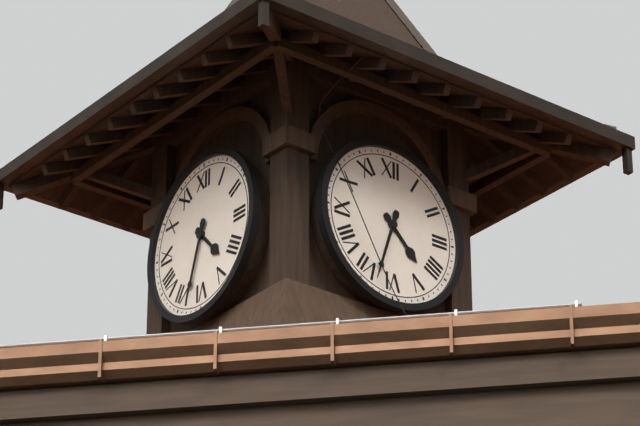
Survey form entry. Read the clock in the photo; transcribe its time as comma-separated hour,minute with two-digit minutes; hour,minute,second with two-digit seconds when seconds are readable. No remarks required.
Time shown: 4,33
